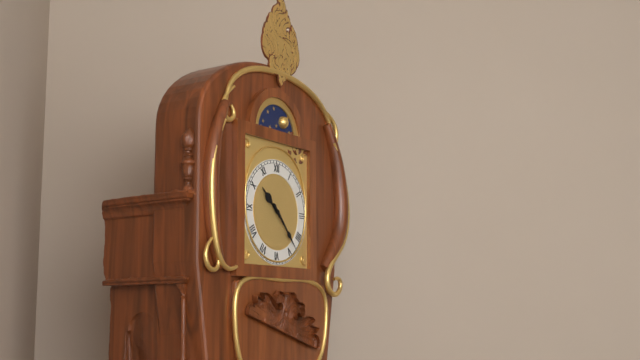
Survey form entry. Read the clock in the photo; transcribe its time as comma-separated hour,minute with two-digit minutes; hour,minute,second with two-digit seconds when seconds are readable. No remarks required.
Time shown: 10,23
